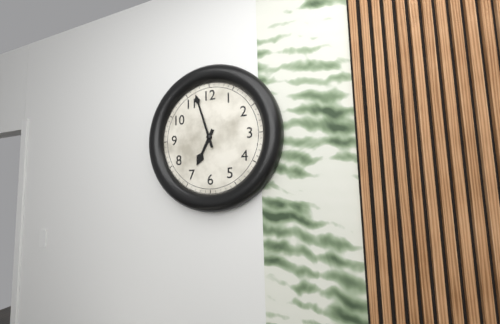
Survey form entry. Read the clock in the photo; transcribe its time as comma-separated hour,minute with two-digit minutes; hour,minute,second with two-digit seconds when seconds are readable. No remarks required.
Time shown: 6,57
